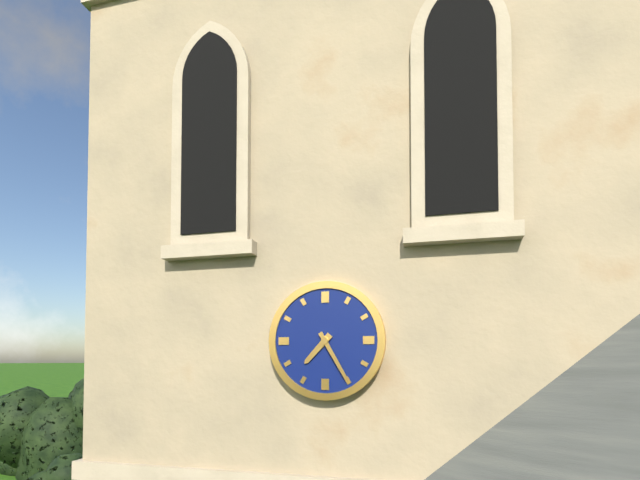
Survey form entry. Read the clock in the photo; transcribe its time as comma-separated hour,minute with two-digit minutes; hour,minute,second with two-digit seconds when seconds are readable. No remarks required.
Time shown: 7,25
